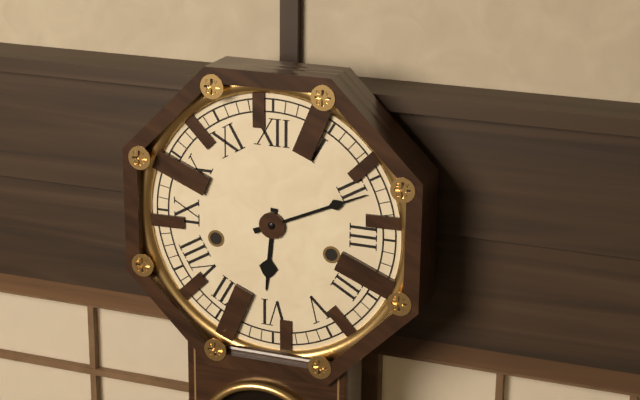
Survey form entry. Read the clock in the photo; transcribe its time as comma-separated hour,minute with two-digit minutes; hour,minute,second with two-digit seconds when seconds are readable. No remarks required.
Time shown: 6,11
